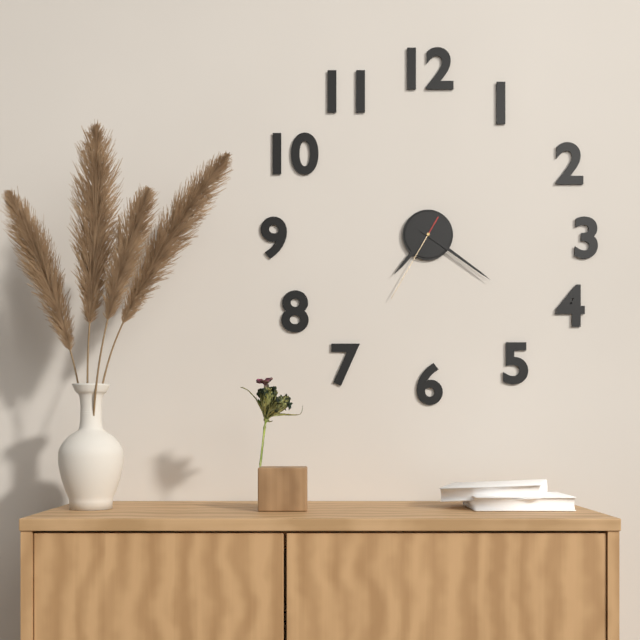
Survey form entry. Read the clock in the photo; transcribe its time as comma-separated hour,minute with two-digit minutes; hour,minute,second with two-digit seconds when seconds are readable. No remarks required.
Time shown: 7,21,35
